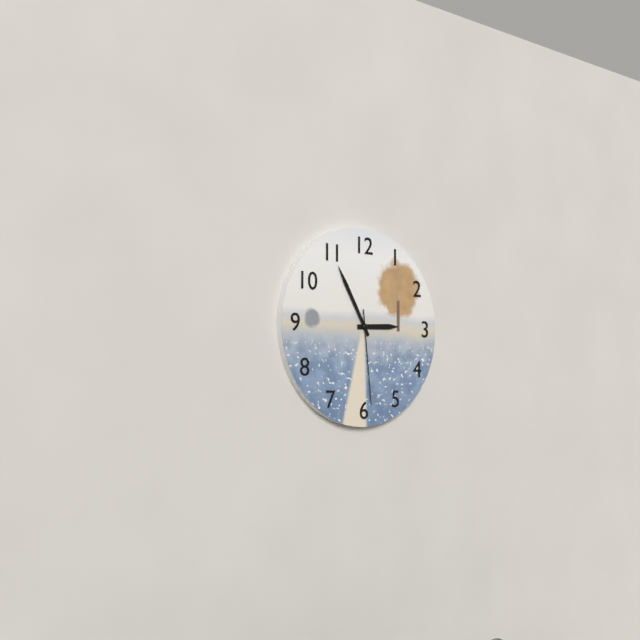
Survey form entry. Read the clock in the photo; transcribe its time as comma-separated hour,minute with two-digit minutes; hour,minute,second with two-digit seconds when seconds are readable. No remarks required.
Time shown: 2,55,29
